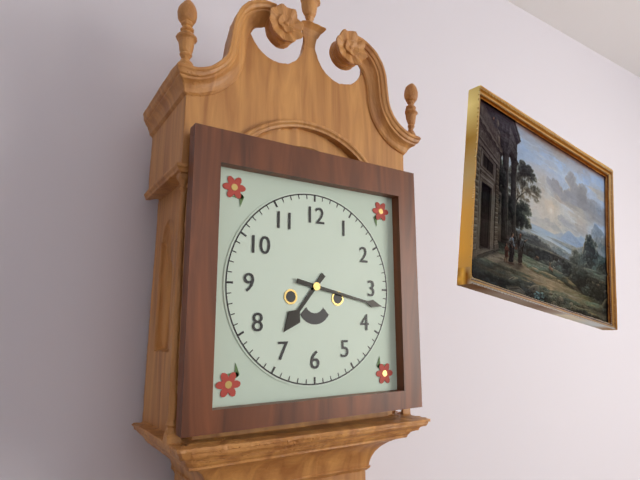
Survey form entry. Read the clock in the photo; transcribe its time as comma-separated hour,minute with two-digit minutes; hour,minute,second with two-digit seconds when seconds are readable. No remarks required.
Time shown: 7,17
